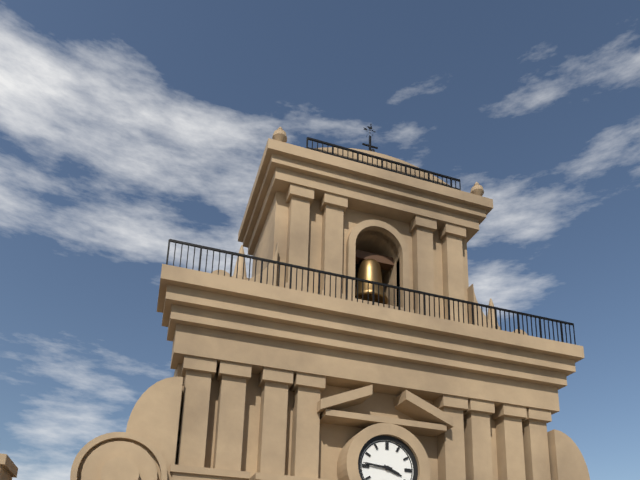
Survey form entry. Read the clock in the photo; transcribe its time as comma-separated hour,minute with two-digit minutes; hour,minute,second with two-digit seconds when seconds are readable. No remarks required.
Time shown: 3,46
